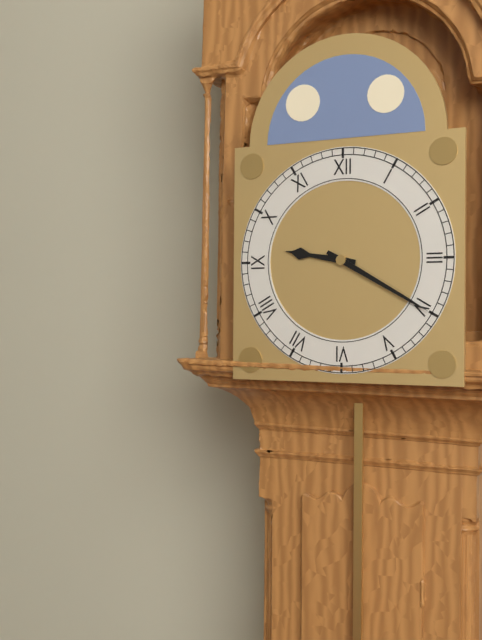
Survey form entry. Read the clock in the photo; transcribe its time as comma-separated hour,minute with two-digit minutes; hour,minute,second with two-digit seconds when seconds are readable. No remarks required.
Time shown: 9,20
